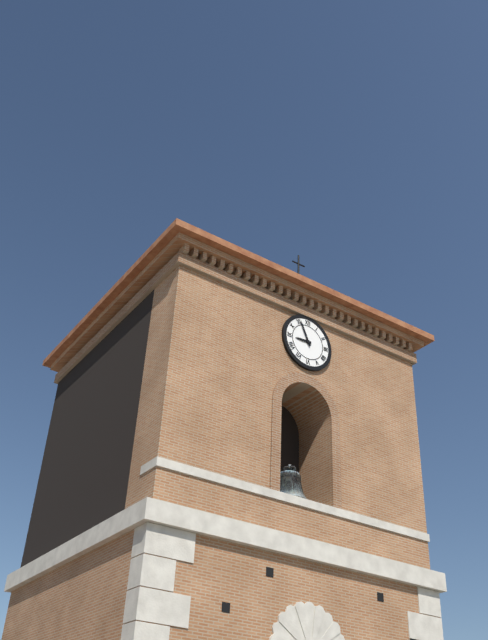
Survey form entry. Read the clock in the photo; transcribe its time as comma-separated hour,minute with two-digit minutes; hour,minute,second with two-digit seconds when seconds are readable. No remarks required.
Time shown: 8,56
